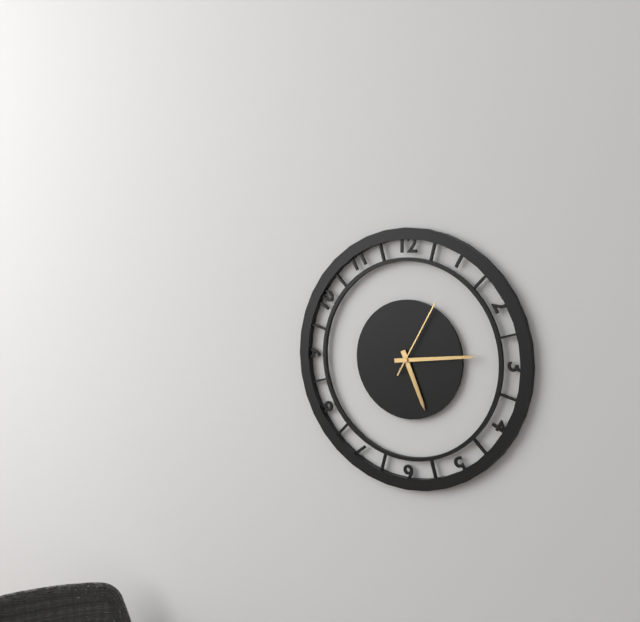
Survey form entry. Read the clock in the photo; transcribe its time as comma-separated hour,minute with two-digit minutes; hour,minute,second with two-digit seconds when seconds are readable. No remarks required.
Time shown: 5,14,05
